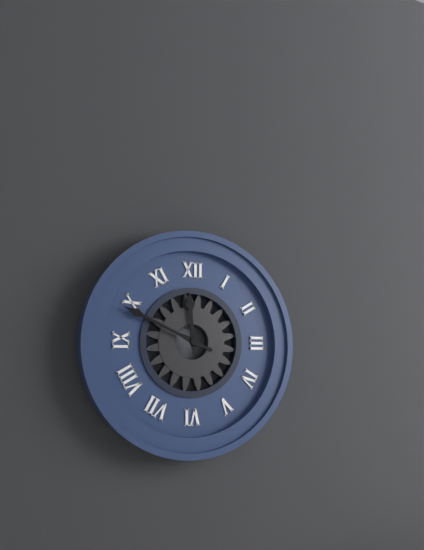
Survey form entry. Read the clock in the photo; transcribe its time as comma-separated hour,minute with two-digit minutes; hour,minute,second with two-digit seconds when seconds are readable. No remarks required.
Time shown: 11,49
